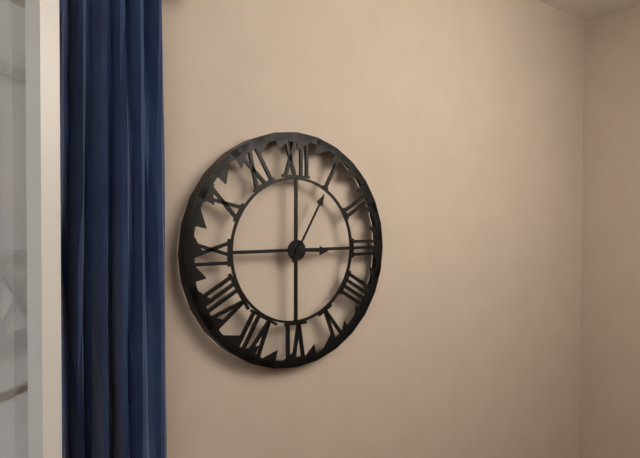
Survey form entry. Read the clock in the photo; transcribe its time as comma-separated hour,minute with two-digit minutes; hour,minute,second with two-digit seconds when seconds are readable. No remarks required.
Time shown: 3,05
